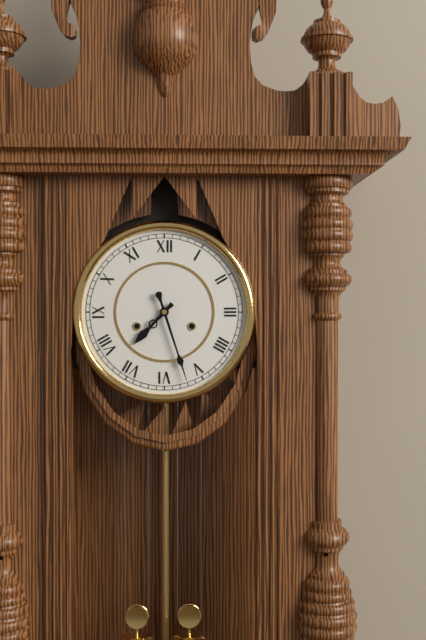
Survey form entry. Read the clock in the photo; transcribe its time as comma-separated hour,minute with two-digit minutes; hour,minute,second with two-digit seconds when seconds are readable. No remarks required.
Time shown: 7,27
